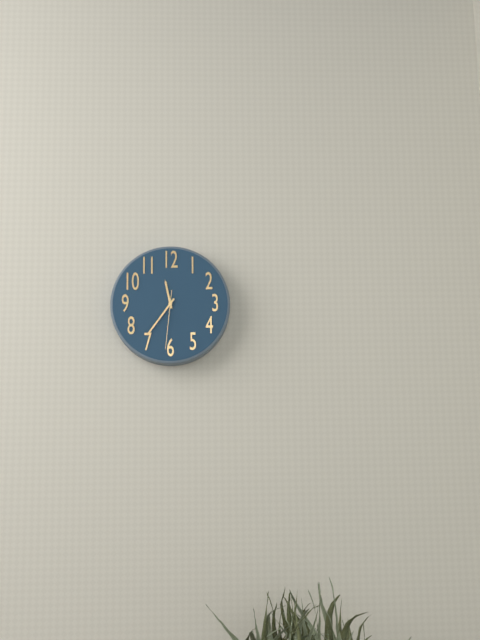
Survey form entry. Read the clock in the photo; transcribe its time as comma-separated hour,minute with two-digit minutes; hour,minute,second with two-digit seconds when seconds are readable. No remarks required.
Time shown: 11,36,31
